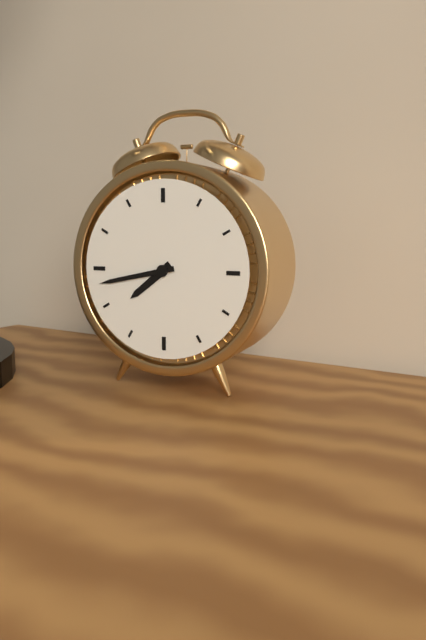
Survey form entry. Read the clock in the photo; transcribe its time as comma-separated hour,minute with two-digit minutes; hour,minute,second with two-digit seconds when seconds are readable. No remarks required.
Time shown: 7,43
